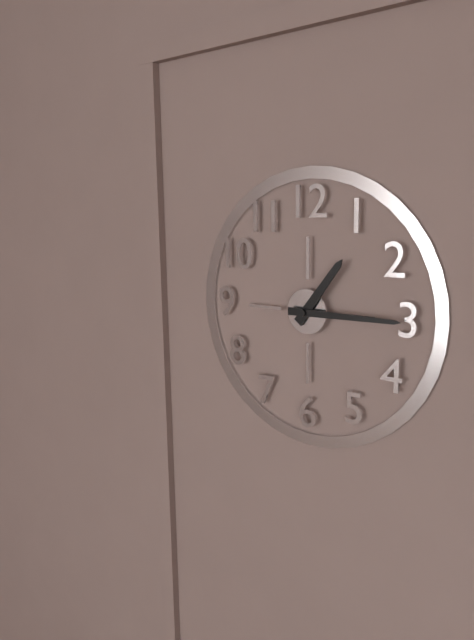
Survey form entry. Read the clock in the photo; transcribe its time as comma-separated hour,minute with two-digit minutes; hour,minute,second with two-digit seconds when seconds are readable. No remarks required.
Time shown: 1,15
